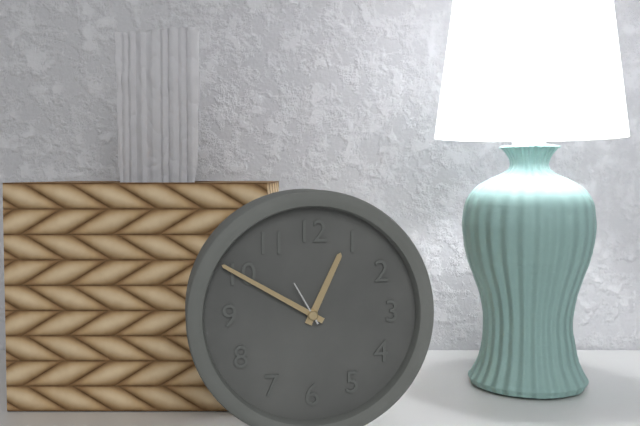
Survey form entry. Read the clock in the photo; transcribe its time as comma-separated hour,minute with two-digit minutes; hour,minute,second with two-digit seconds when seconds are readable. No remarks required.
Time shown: 12,50
